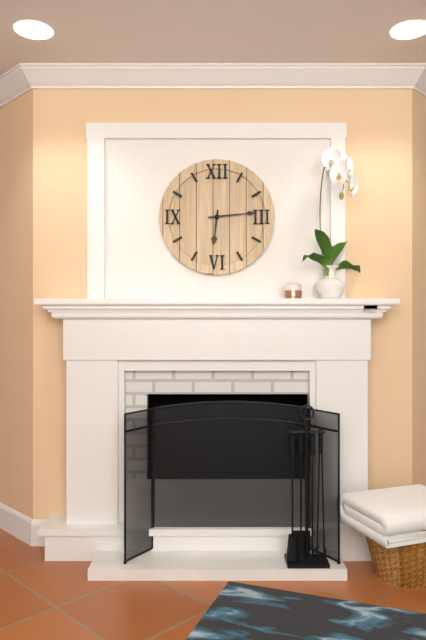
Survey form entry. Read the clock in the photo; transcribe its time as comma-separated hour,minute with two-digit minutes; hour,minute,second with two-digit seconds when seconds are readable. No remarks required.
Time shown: 6,14
